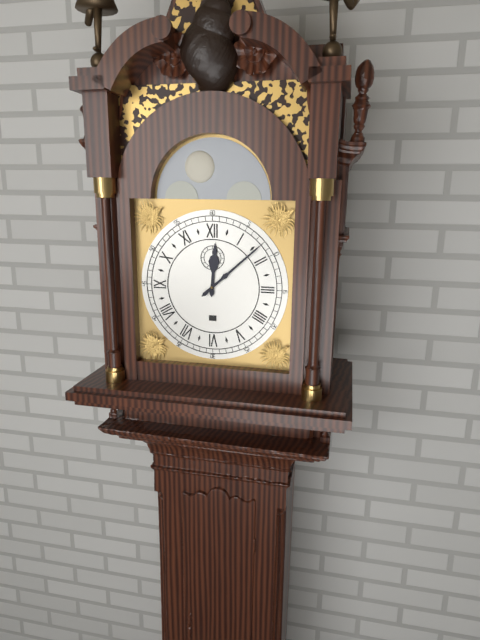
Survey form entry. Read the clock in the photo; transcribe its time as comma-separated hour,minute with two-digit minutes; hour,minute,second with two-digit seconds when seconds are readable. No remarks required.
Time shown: 12,08
